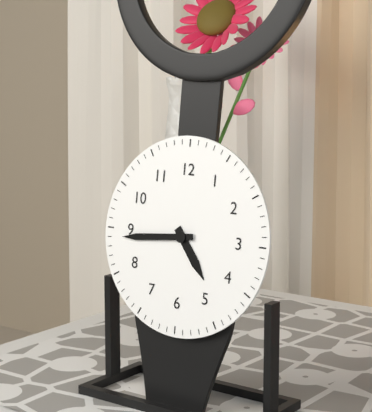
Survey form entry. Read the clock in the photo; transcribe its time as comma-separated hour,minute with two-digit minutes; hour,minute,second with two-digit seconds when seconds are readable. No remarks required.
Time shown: 4,44
